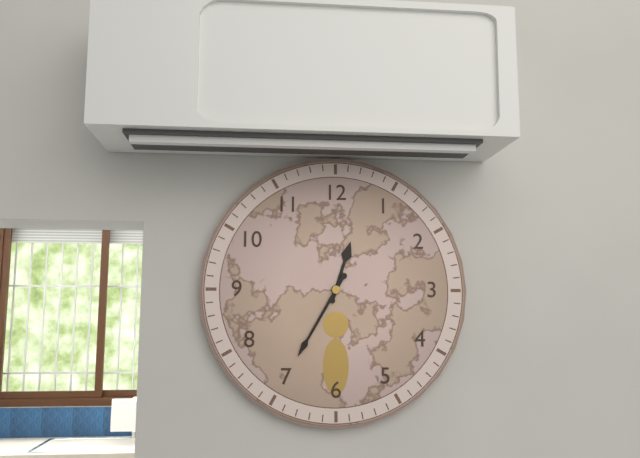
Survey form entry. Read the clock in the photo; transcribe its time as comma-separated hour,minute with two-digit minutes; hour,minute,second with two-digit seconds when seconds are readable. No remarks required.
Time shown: 12,35
